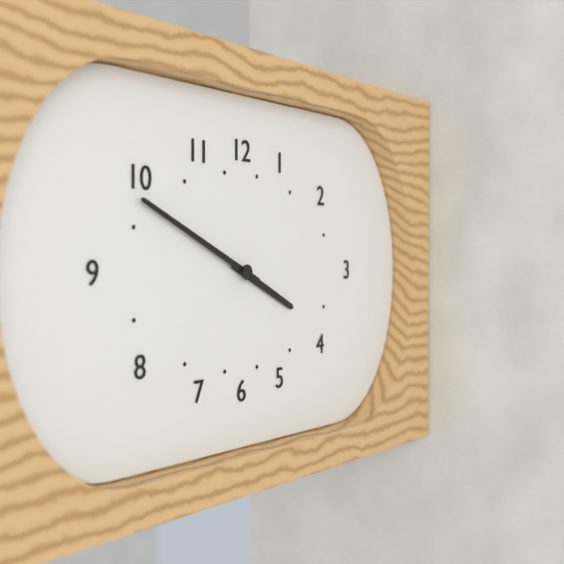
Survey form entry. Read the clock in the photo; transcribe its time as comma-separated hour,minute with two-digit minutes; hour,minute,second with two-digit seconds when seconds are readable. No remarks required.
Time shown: 3,49
